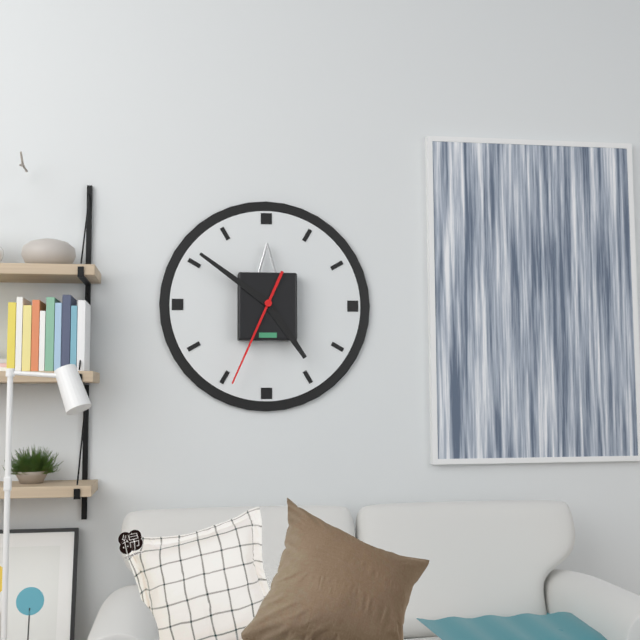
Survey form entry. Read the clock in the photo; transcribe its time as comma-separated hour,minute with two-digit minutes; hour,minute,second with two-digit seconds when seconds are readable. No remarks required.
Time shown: 4,51,34
